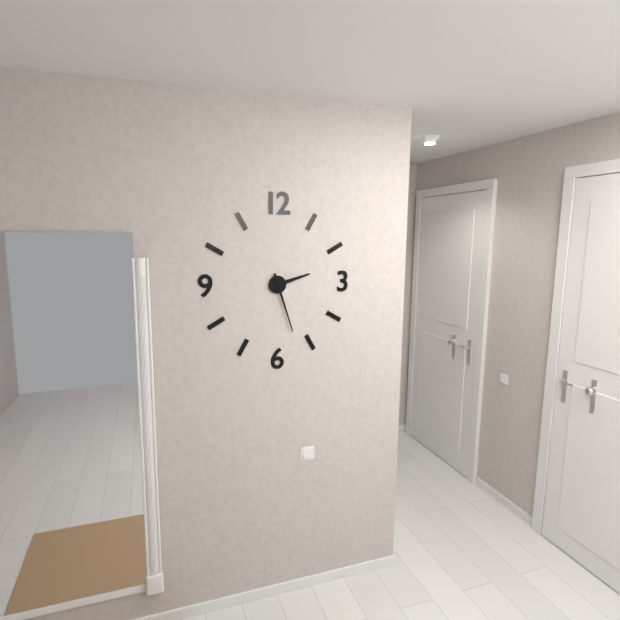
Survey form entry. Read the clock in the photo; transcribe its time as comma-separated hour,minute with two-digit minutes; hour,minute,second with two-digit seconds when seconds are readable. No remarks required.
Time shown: 2,27
